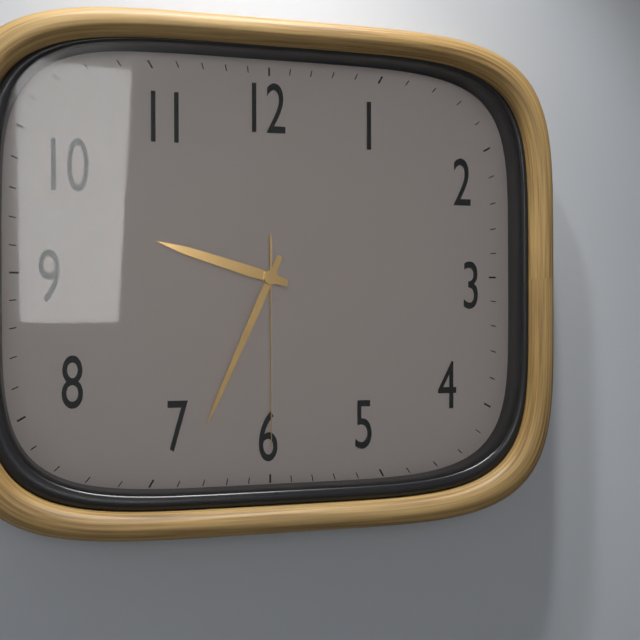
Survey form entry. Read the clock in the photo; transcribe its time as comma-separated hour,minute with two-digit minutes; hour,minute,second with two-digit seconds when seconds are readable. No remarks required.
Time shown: 9,34,30
